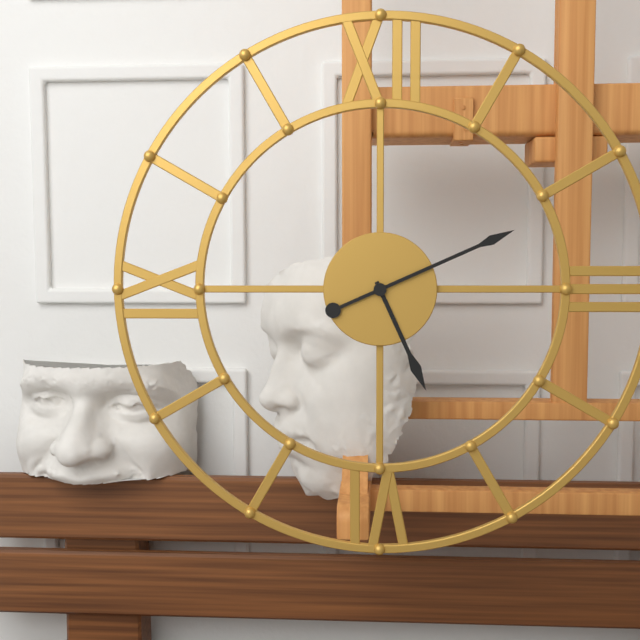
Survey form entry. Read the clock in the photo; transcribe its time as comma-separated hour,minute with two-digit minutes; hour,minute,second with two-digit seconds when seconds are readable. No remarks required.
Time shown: 5,11
